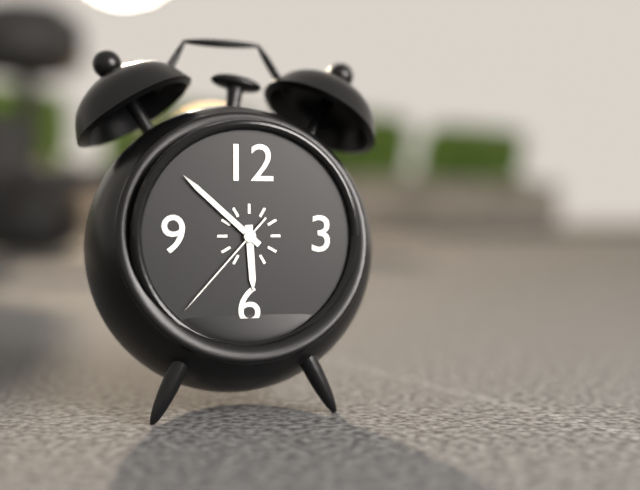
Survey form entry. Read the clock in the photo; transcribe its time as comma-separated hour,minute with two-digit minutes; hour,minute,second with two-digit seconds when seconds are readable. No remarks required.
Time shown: 5,52,37
